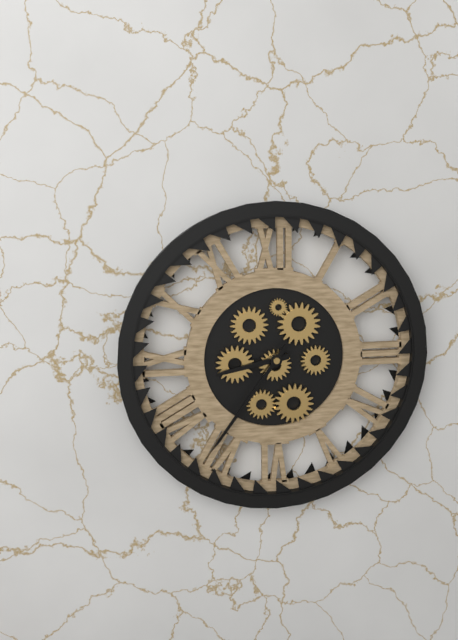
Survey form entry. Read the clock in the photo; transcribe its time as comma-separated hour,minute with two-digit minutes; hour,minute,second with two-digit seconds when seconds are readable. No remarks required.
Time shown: 8,36
